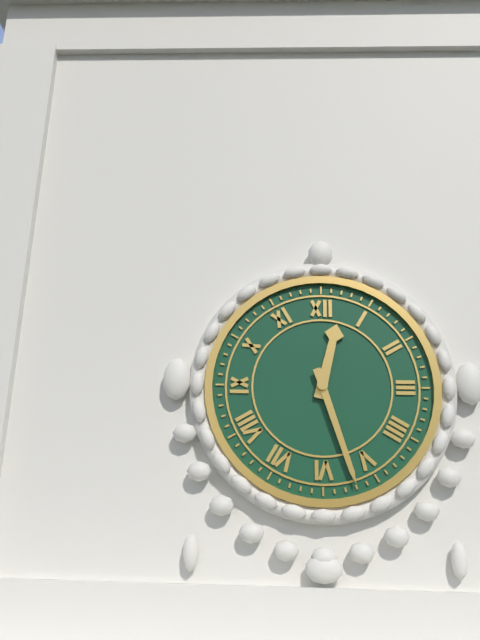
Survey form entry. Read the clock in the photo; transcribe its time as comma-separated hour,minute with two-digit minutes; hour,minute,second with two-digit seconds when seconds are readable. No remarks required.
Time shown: 12,27
